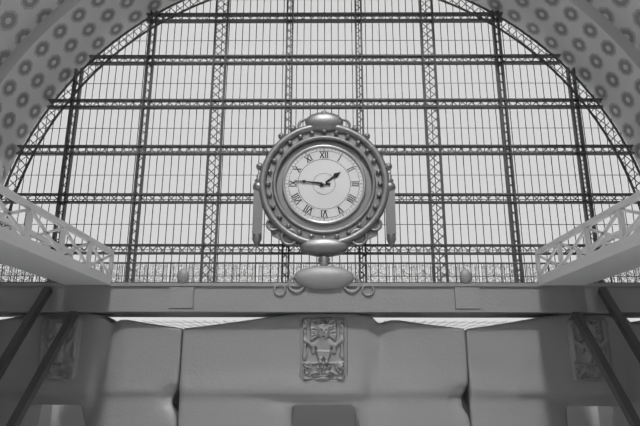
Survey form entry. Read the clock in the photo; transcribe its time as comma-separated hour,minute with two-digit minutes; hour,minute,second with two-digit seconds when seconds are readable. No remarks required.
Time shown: 1,46
